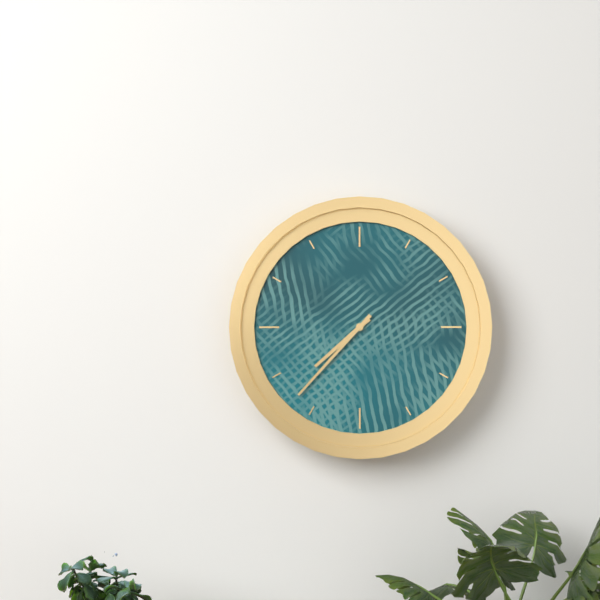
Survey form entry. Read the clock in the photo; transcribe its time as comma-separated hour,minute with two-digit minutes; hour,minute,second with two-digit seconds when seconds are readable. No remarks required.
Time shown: 7,37
